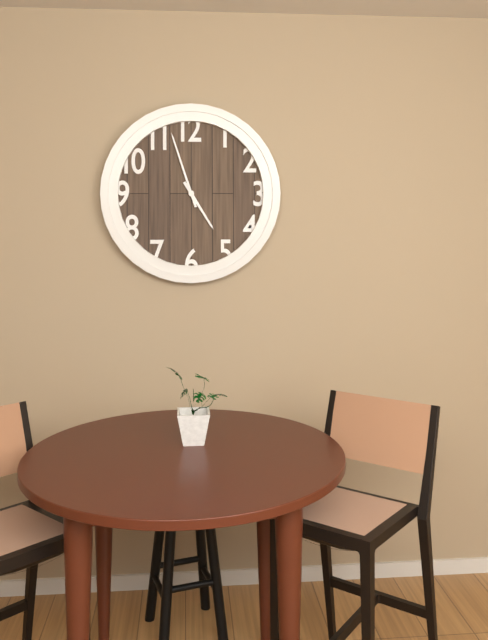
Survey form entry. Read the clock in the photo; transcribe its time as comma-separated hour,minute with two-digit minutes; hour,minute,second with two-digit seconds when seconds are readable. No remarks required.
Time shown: 4,57
